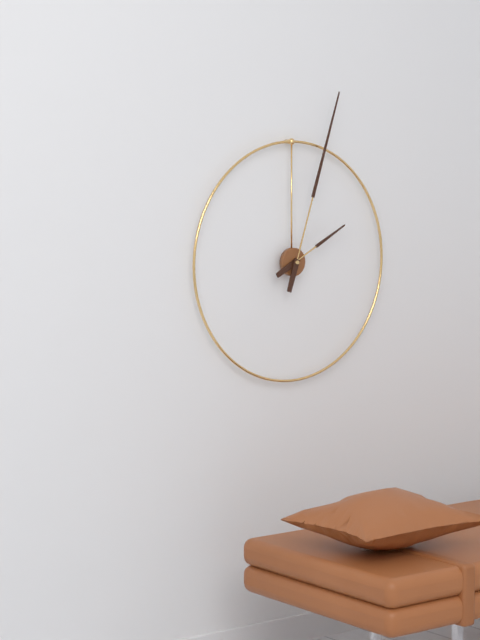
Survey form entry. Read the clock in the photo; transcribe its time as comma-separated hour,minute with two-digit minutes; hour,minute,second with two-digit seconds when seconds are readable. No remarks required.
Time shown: 2,03
